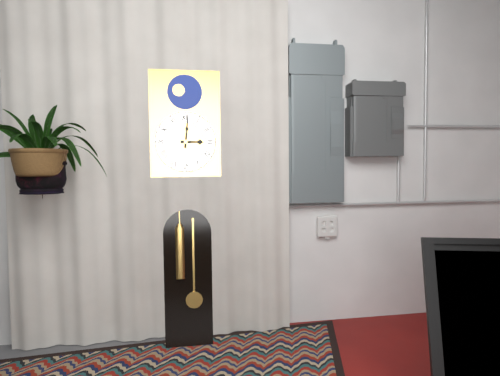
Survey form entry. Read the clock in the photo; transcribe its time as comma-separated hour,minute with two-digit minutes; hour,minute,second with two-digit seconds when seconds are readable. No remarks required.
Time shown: 3,01
